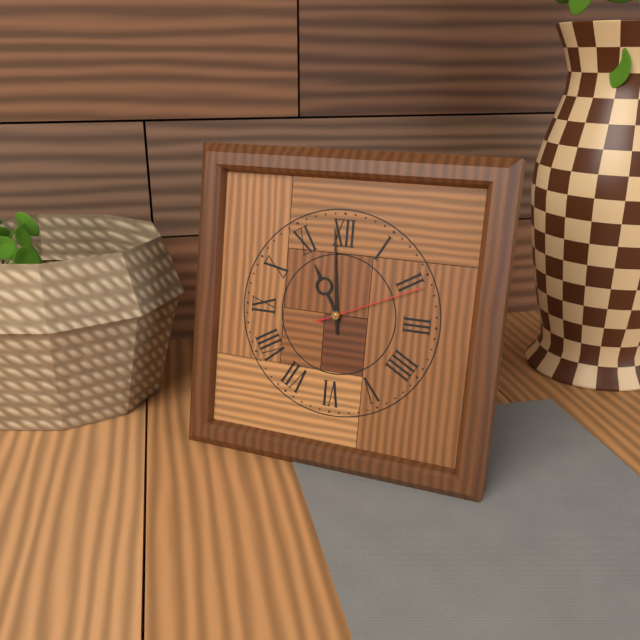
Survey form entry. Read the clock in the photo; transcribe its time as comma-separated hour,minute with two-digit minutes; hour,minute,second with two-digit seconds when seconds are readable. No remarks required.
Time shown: 10,59,11
